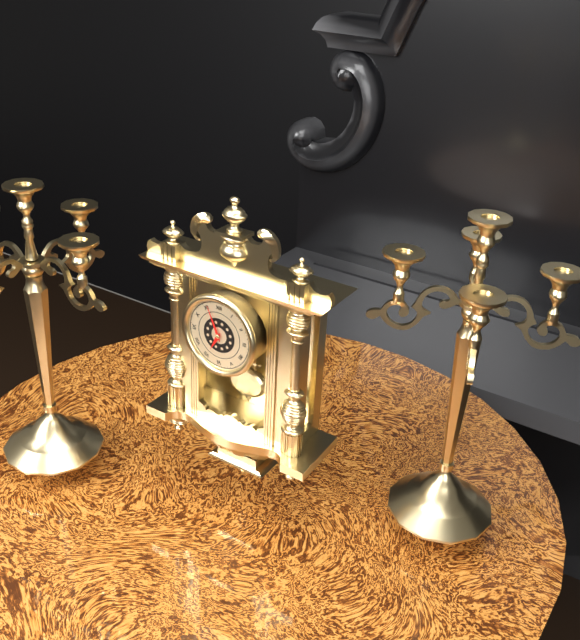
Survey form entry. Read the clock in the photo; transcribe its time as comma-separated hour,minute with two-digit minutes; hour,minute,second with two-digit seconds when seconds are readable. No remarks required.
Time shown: 6,56
